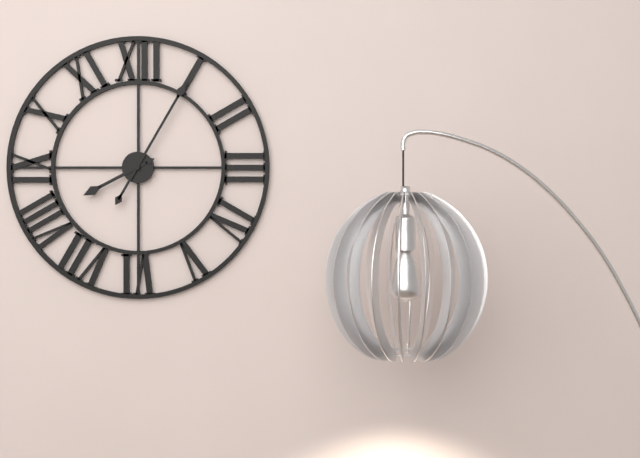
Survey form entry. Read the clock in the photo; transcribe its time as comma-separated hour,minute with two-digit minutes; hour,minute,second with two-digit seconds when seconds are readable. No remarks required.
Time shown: 8,05
